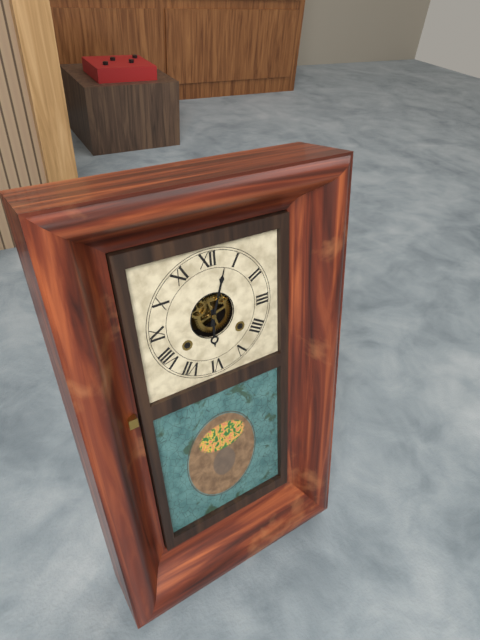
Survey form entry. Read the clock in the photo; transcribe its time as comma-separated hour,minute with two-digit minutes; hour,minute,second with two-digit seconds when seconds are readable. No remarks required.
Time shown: 6,03
